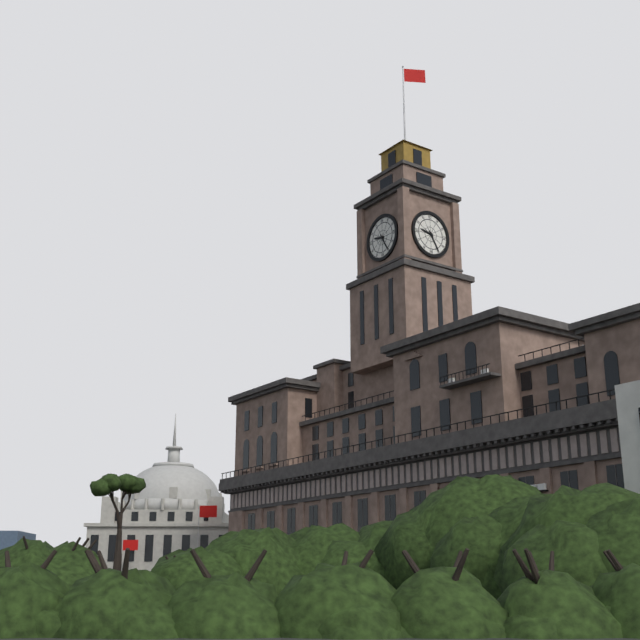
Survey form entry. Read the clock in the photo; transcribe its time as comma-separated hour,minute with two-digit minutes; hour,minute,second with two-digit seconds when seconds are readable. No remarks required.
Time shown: 9,25
